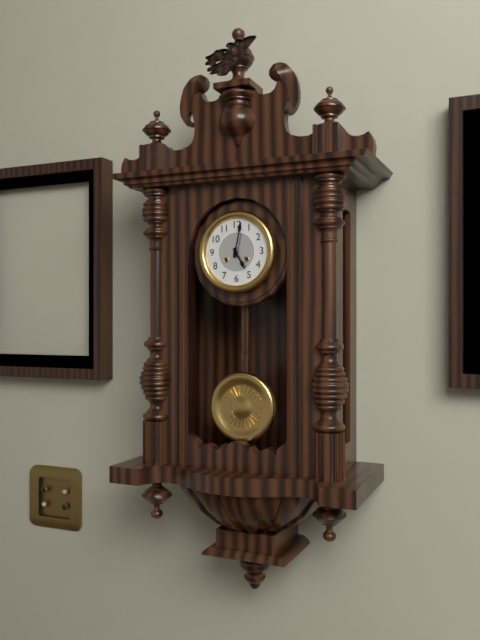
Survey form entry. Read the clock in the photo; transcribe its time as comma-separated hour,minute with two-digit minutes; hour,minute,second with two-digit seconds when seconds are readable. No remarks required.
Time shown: 5,02
